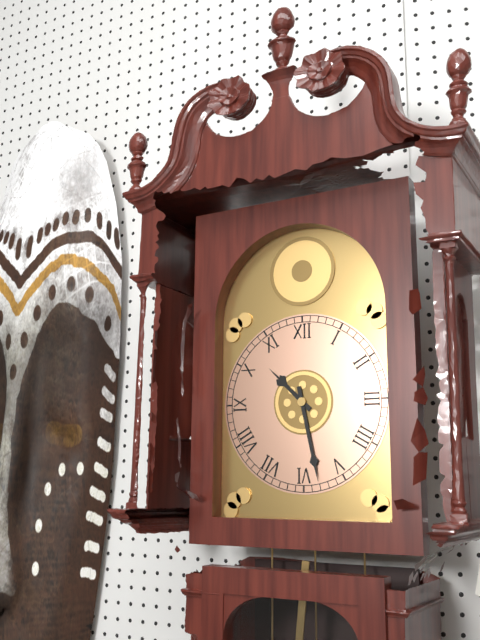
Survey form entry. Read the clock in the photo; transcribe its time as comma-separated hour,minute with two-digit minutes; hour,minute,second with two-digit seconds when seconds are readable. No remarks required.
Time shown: 10,28
